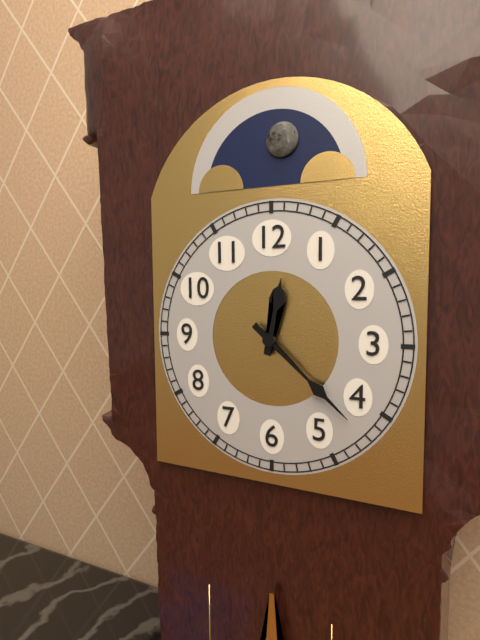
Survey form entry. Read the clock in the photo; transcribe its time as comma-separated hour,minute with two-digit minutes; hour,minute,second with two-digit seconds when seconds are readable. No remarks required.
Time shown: 12,22
